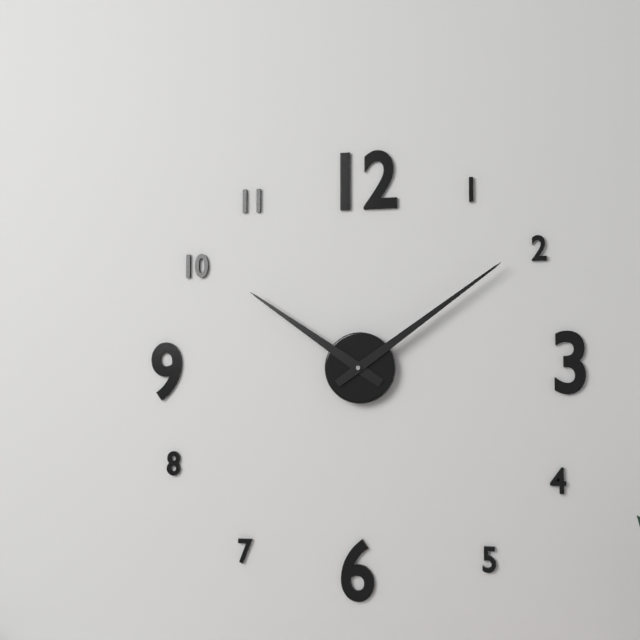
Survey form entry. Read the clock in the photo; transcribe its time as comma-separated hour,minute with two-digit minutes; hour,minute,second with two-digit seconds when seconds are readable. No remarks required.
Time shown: 10,09
